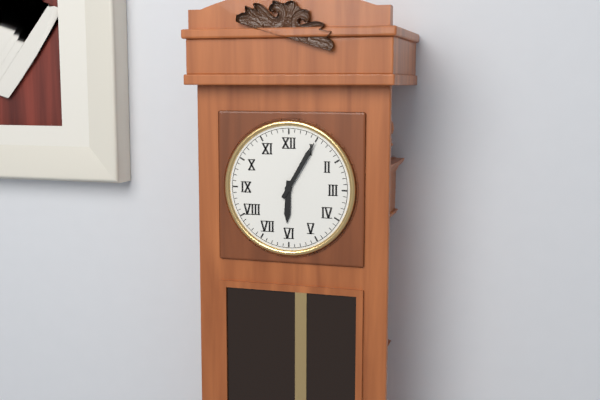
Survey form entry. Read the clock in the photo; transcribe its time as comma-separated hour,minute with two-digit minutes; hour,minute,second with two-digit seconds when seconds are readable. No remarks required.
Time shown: 6,05
